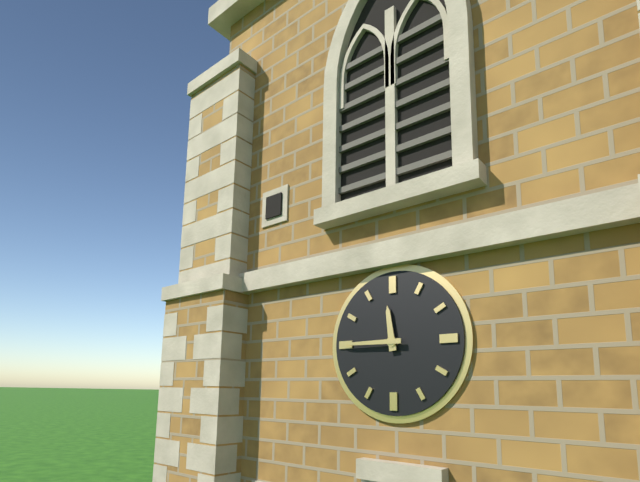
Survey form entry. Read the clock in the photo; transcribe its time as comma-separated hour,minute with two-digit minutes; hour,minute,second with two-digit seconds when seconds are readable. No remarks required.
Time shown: 11,45
